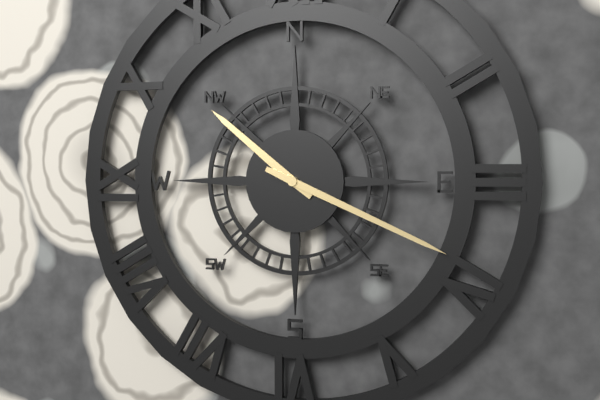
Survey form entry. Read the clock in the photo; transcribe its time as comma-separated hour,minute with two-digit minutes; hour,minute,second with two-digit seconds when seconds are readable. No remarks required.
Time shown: 10,19
